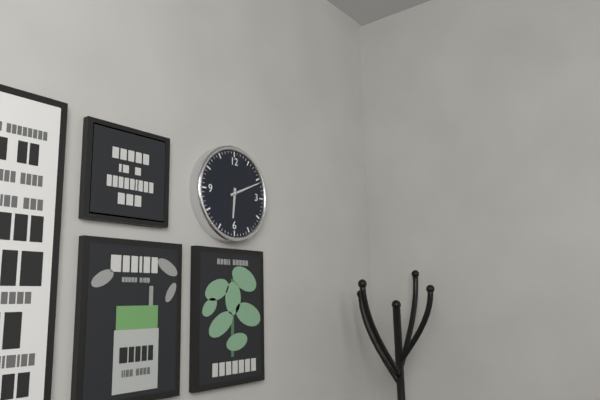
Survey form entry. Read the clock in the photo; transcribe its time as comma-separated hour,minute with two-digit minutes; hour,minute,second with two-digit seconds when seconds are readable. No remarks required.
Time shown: 6,11
